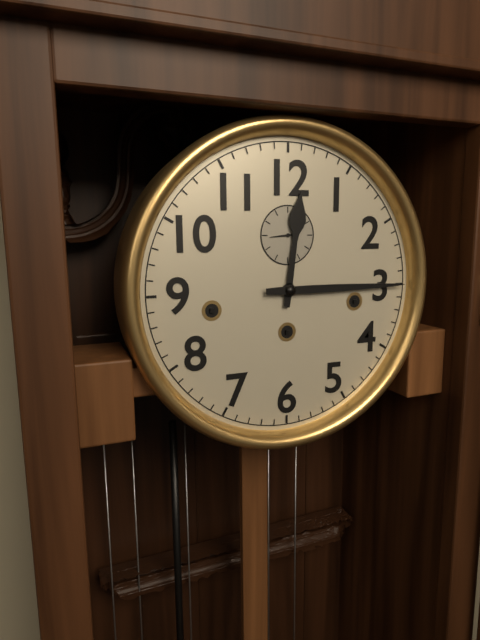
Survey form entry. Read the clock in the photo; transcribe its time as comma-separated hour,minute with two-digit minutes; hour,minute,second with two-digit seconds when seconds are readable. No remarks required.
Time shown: 12,15
